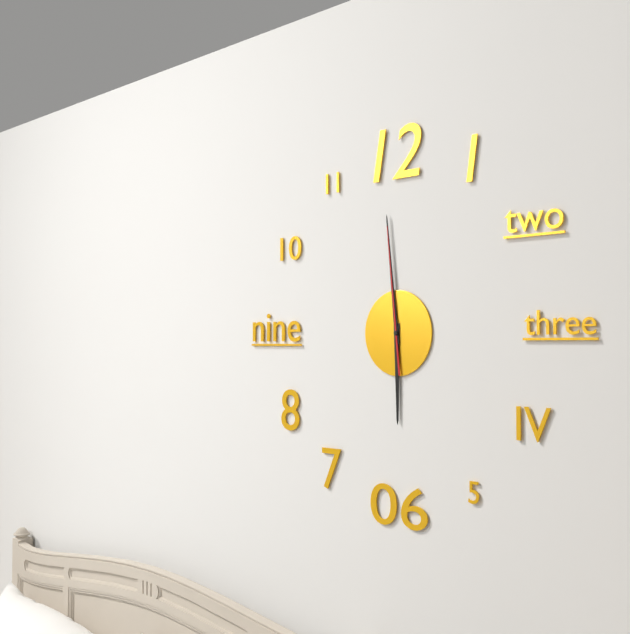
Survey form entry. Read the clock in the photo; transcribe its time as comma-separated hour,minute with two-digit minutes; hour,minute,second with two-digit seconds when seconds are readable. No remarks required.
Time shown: 5,59,59
